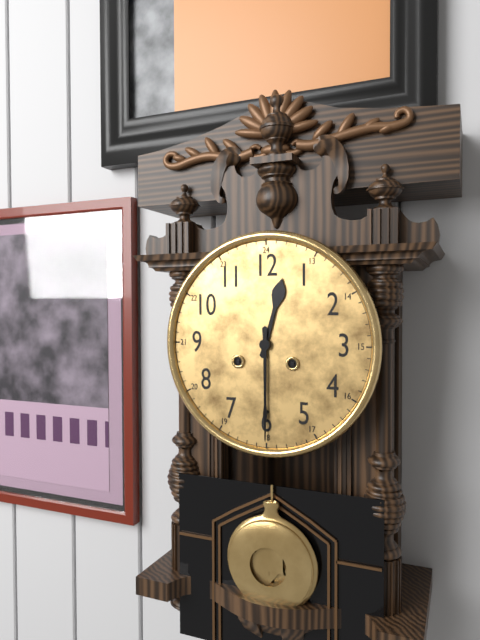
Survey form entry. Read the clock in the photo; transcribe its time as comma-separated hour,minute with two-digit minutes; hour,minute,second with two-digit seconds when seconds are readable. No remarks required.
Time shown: 12,30
